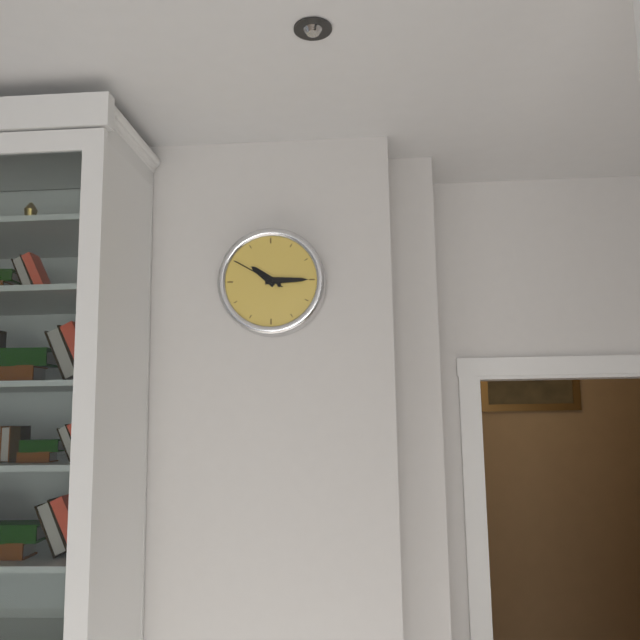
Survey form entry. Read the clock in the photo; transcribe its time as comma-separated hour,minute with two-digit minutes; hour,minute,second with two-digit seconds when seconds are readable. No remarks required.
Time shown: 10,15,50
